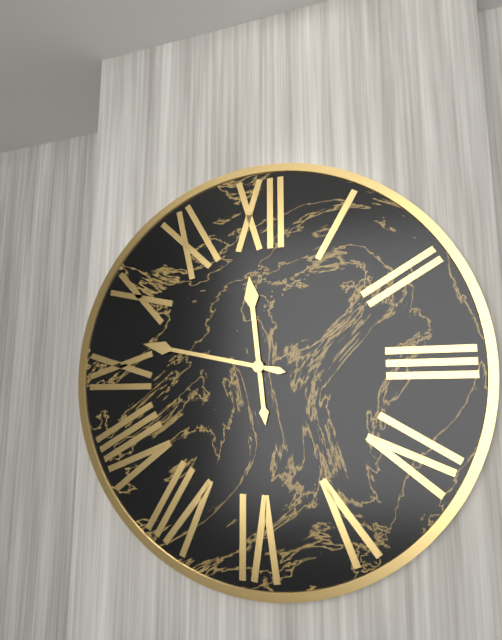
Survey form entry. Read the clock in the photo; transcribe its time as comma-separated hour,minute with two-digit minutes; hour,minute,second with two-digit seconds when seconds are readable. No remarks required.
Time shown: 11,47
